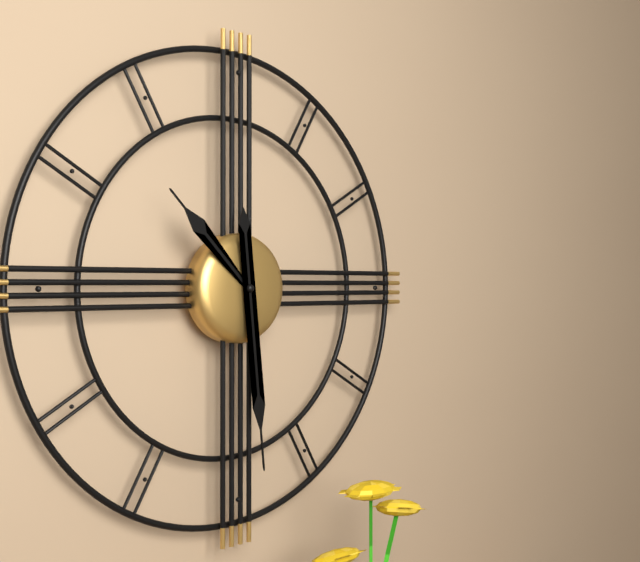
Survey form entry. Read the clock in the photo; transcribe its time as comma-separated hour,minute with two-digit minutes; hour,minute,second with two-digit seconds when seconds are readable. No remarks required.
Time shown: 10,29
